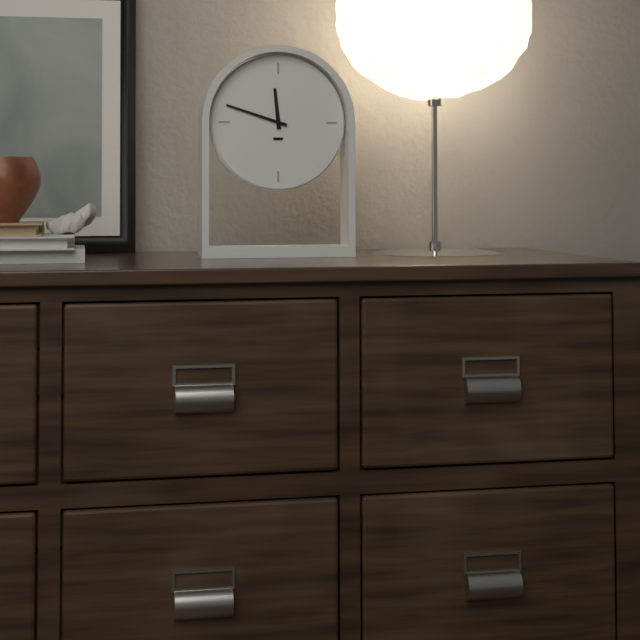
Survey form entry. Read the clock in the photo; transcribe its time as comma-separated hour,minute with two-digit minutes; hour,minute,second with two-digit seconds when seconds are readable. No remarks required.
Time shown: 11,48
